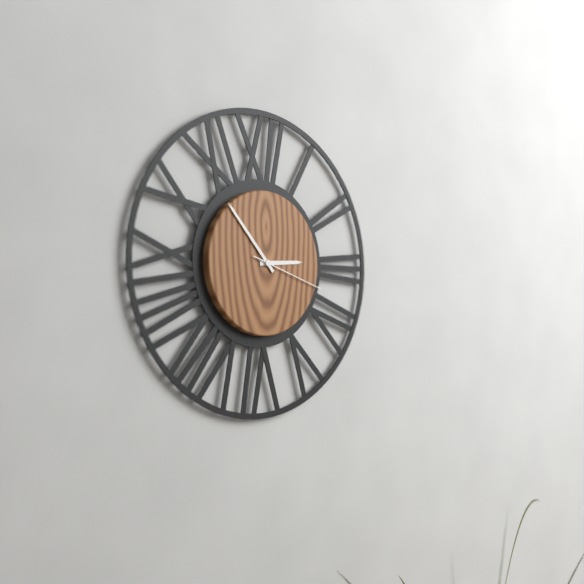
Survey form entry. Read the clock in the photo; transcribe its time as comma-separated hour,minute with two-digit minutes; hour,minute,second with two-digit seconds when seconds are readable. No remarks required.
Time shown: 2,53,18
